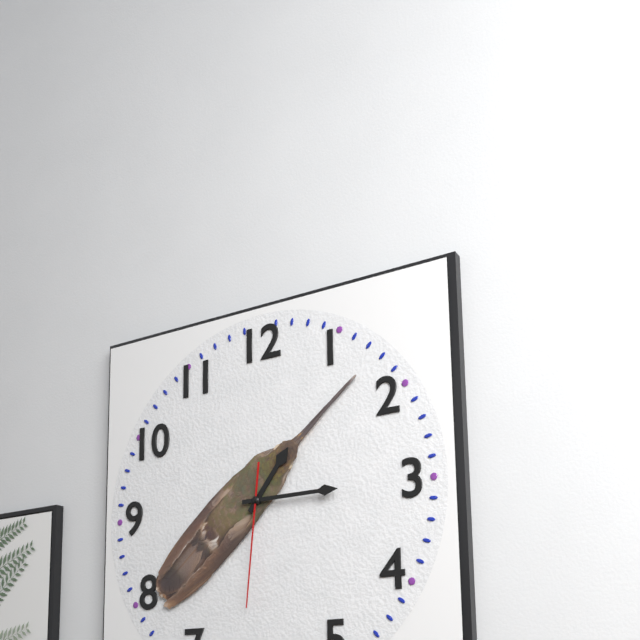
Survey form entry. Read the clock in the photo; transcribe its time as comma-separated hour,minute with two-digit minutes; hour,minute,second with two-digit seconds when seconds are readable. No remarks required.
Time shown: 1,15,31
